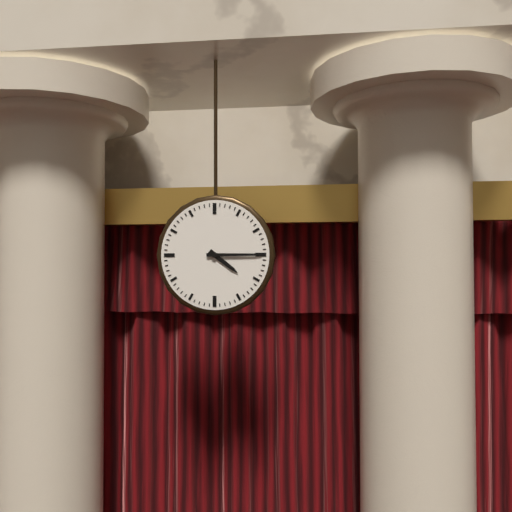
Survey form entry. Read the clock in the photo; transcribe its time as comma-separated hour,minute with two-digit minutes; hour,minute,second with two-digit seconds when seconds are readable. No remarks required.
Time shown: 4,15
